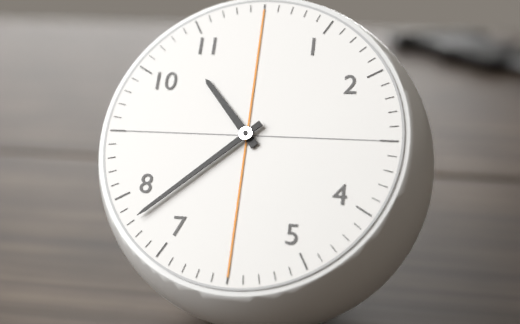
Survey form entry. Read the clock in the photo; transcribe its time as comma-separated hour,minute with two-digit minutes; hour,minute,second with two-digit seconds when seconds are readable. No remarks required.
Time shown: 10,38
